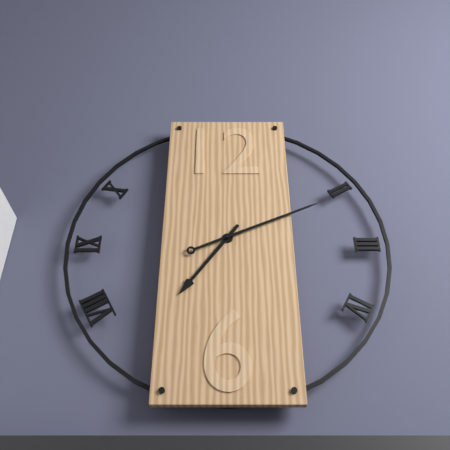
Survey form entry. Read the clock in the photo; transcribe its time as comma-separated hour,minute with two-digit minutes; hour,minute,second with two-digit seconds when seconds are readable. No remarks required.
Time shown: 7,11
